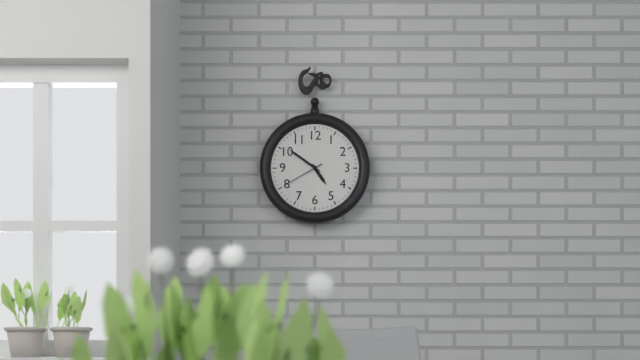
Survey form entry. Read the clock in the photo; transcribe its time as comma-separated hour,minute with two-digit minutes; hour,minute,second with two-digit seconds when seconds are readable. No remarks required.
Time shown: 4,51
